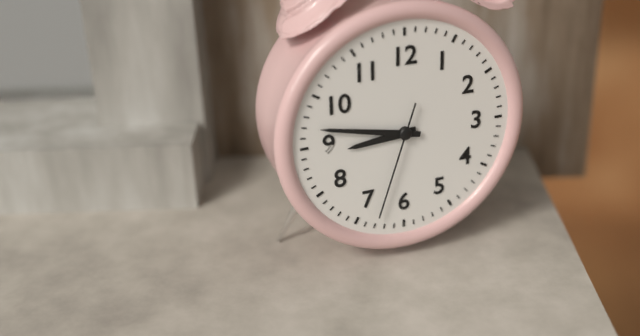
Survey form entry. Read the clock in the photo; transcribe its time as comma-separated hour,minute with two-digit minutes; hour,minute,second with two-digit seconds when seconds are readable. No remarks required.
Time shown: 8,47,33
